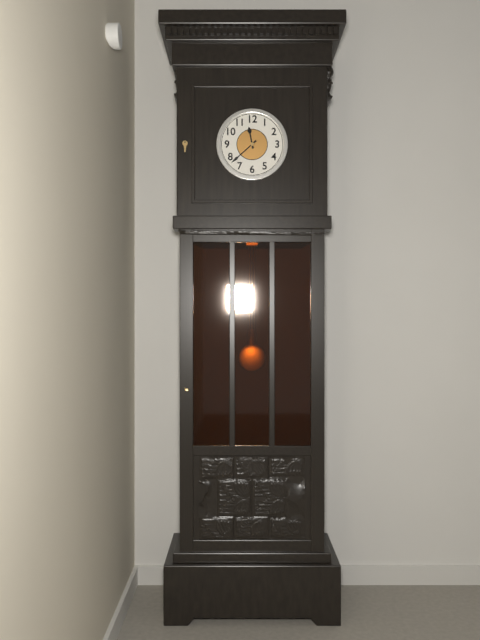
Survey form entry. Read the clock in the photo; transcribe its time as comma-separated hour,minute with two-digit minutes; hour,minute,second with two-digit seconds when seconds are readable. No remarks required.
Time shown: 11,38
